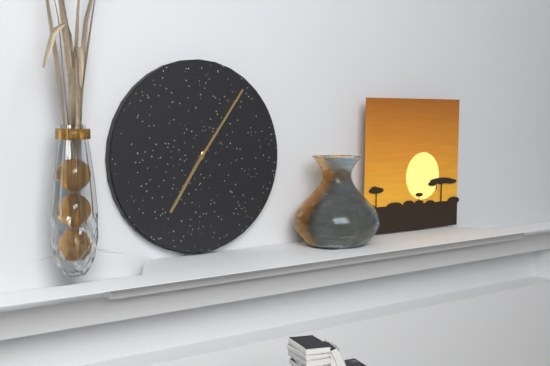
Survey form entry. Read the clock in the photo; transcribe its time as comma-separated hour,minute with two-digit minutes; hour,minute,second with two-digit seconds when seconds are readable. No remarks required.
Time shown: 7,06
